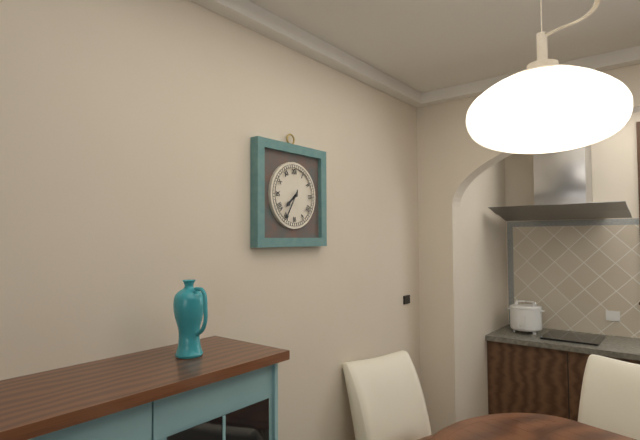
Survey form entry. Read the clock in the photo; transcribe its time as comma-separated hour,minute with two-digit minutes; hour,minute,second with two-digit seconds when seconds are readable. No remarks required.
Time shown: 7,35
